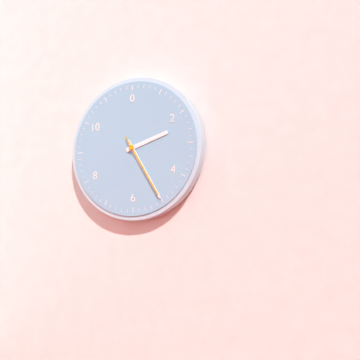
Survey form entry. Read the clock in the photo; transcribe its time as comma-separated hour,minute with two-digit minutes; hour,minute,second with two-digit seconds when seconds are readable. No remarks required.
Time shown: 2,25,25
